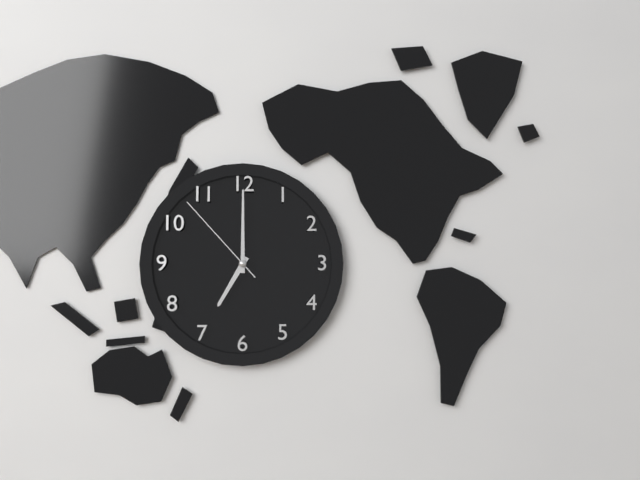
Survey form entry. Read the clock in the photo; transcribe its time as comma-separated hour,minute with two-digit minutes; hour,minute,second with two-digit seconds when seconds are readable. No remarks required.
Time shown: 7,00,53
